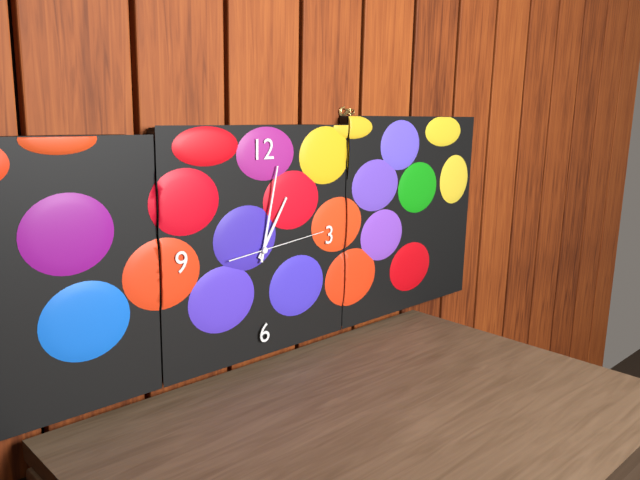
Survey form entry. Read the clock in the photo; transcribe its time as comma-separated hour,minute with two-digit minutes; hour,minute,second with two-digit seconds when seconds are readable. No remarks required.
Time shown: 1,02,14
